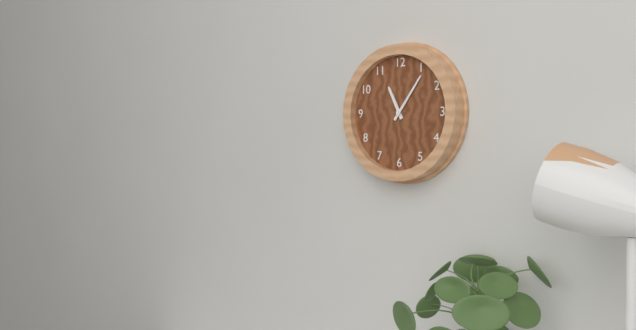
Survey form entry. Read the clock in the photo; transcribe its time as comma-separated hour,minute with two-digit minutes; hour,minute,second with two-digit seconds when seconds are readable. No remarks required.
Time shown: 11,06
